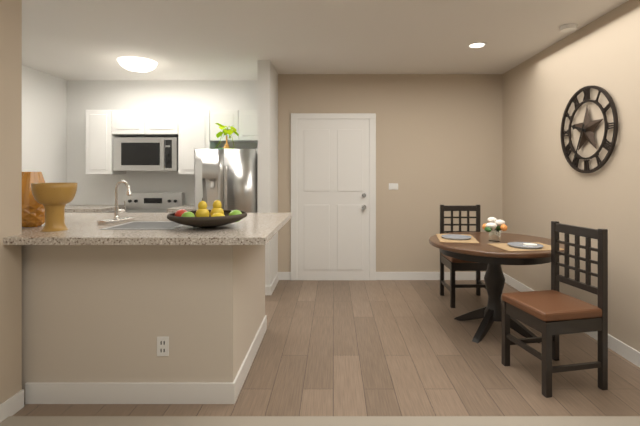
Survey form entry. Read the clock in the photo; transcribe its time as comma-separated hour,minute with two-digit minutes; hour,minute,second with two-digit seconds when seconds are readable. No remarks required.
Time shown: 9,34
